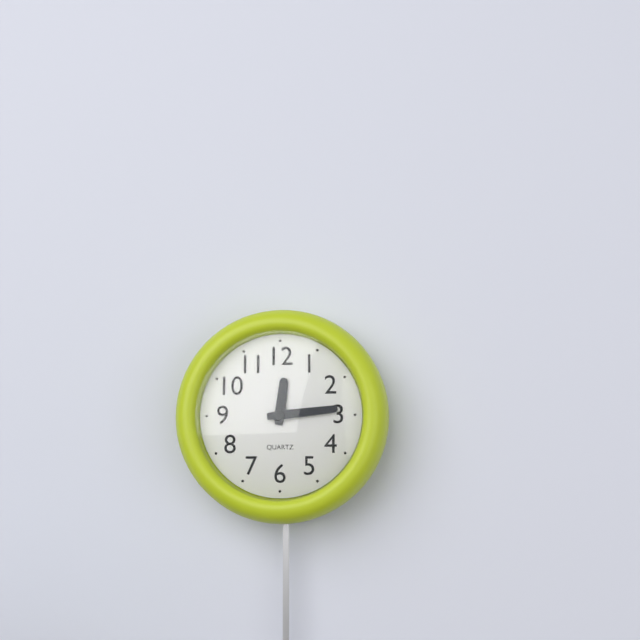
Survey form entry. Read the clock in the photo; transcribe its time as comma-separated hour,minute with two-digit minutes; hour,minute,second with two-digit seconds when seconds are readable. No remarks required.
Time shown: 12,14
